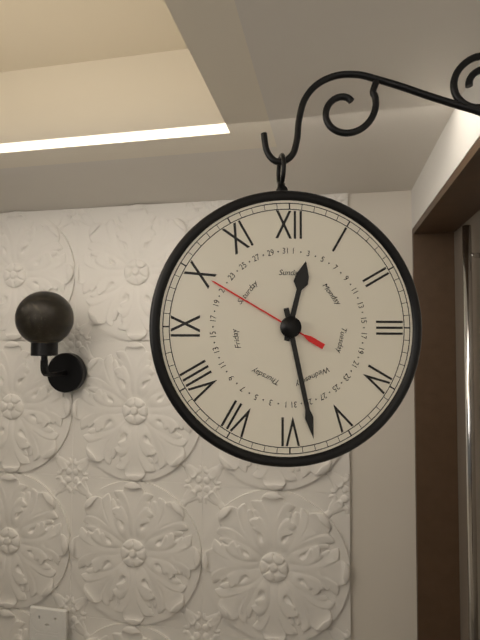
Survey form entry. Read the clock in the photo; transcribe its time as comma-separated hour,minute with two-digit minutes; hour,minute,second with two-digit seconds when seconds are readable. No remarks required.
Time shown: 12,28,50
